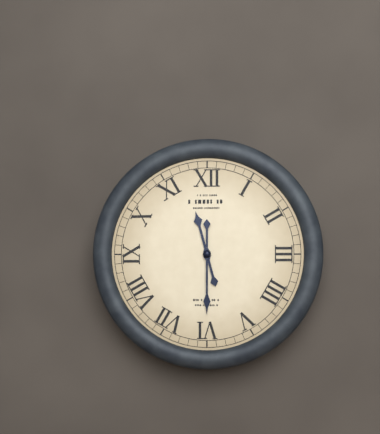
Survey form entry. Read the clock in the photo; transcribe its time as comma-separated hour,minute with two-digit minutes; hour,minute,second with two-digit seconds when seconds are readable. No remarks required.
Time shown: 11,30
